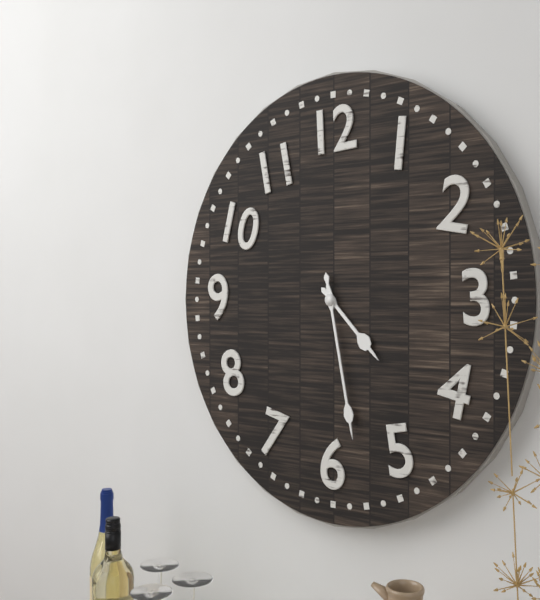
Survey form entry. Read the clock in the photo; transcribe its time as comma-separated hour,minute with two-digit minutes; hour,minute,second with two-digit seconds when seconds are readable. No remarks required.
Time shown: 4,28
